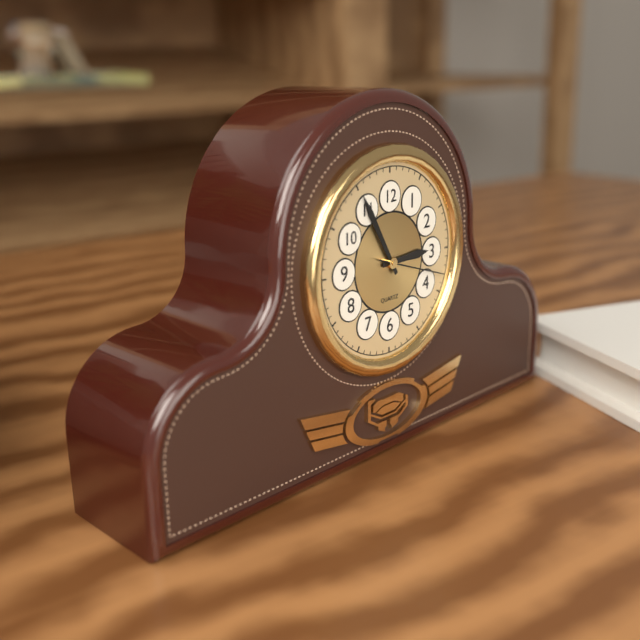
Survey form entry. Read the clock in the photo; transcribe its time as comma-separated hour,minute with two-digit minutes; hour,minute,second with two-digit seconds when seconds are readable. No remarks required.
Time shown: 2,55,18
